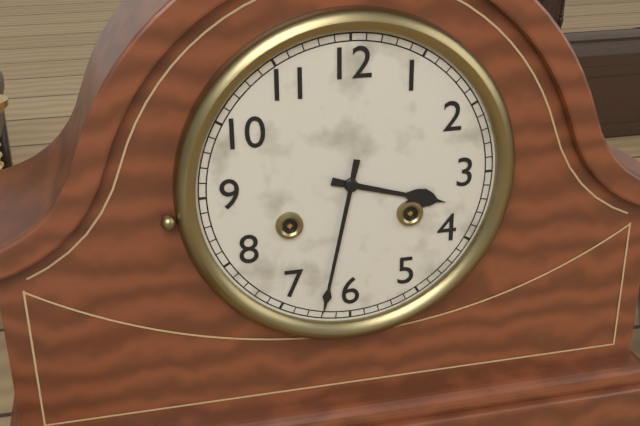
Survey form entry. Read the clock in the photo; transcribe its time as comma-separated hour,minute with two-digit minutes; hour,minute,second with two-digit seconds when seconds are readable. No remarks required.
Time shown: 3,32
